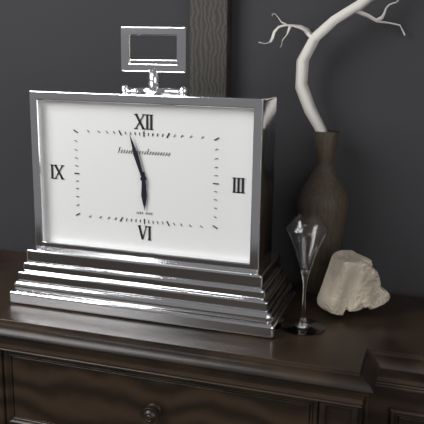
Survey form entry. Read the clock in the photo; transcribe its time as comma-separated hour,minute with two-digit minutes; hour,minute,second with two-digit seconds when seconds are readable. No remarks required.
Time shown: 5,57
